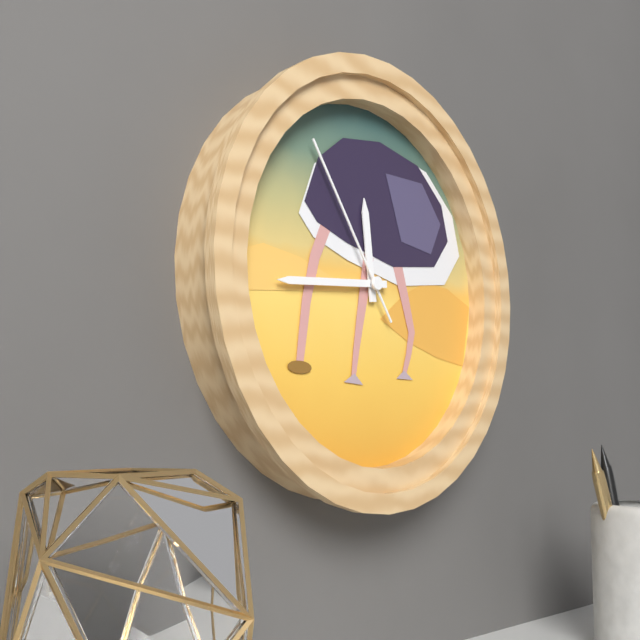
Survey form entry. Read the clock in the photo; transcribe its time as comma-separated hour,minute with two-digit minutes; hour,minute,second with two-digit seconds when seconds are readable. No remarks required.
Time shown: 11,44,54
